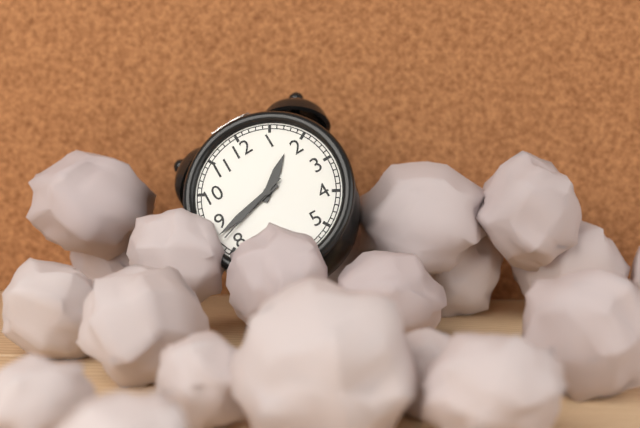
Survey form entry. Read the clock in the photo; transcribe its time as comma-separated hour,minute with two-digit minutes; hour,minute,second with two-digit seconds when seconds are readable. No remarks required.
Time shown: 1,43,42
